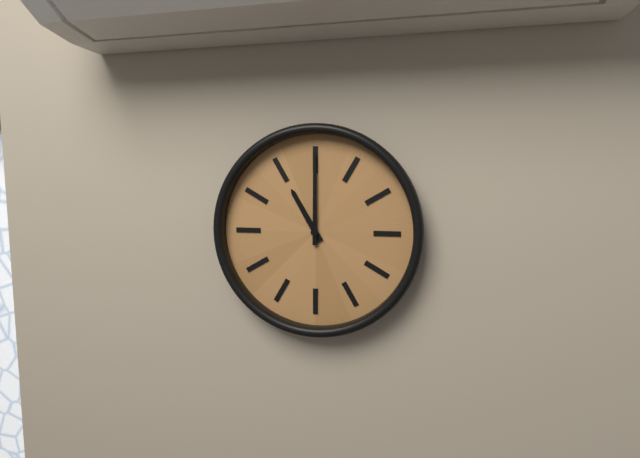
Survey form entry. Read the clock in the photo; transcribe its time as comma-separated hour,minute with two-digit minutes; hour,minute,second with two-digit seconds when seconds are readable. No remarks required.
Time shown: 11,00
